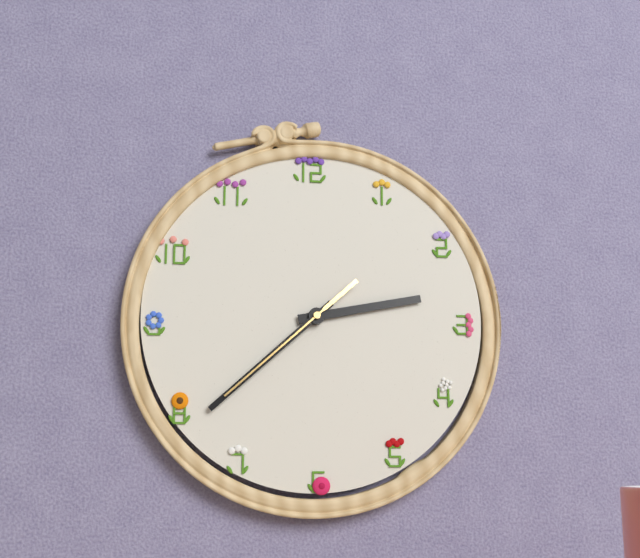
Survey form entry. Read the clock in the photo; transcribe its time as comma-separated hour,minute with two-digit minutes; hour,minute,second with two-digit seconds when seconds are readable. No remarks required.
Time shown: 2,38,38
